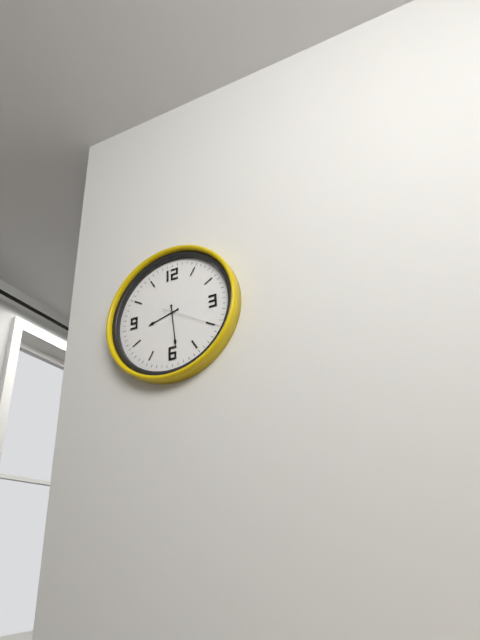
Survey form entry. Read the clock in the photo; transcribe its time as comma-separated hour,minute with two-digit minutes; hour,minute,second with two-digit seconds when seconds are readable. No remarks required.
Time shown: 8,29,20
